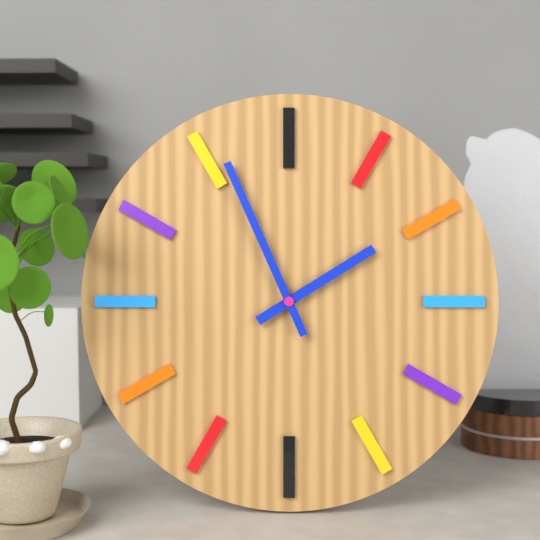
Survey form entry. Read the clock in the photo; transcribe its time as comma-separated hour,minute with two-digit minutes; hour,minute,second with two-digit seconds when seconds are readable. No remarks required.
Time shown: 1,56
